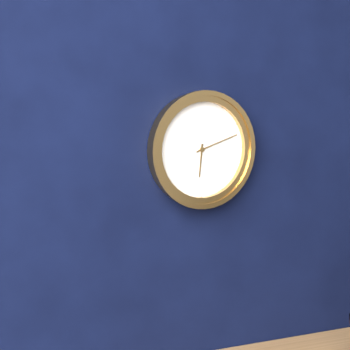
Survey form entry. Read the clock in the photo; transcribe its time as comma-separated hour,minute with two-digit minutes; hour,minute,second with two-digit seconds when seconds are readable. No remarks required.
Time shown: 6,12
